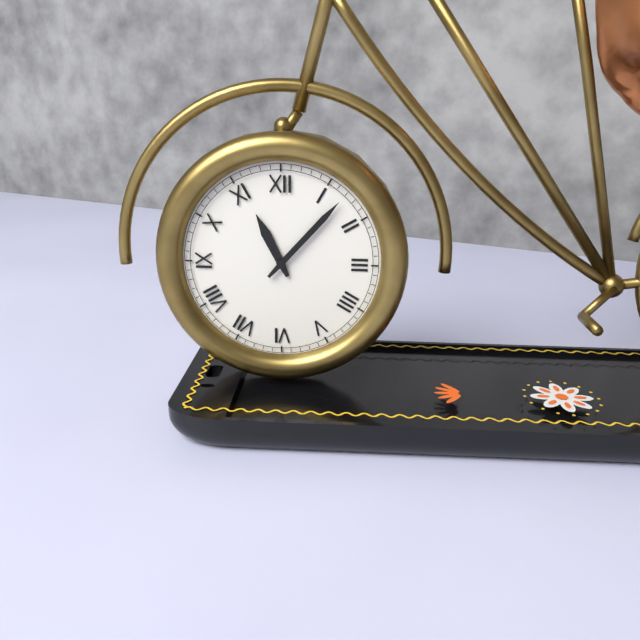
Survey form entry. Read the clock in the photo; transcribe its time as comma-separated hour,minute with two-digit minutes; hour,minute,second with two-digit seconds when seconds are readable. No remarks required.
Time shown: 11,07
